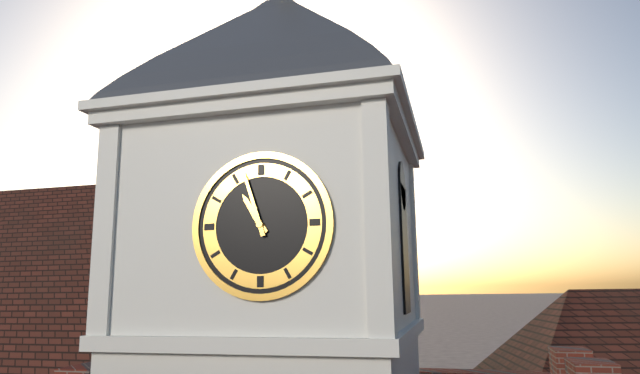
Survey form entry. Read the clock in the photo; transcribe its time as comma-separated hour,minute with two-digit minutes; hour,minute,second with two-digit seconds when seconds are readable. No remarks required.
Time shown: 10,57
